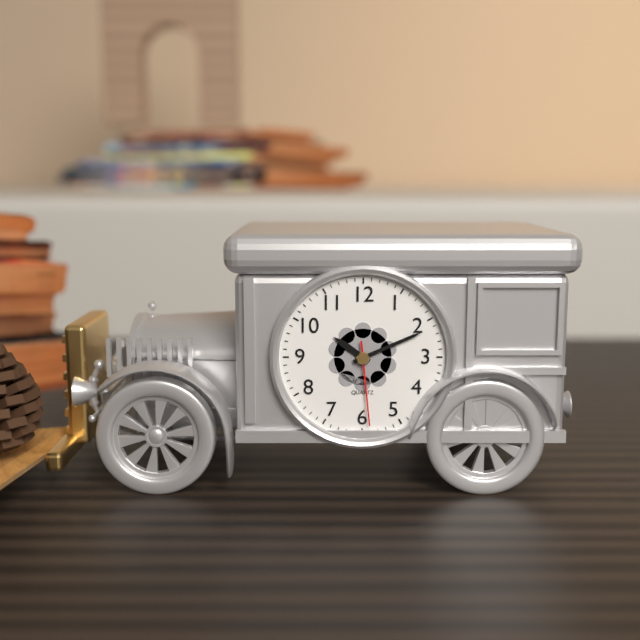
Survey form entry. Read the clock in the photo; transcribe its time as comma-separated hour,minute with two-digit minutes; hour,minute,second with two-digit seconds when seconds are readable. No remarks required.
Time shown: 10,11,29
